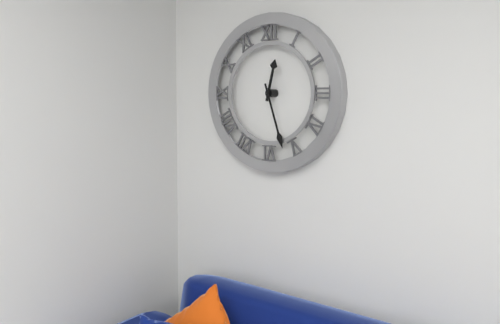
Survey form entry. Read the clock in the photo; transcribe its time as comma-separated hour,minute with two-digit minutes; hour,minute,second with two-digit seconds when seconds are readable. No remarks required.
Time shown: 12,27
